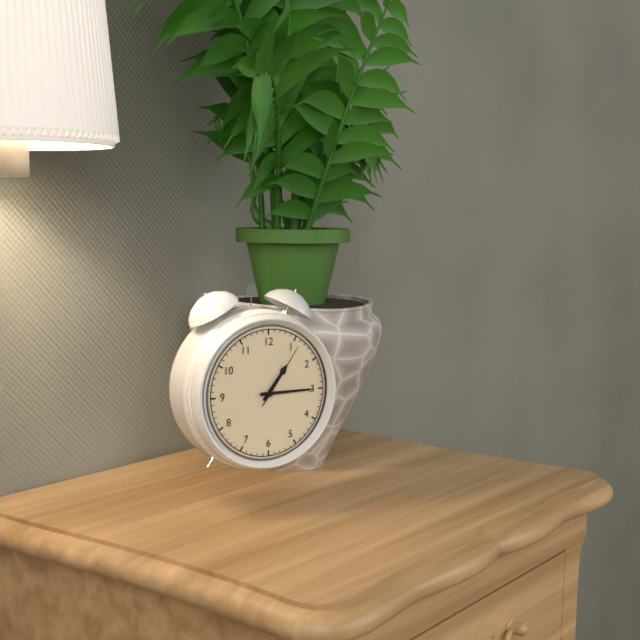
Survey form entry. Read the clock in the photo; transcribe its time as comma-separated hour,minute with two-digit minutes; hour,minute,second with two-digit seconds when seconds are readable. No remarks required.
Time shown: 1,15,06
